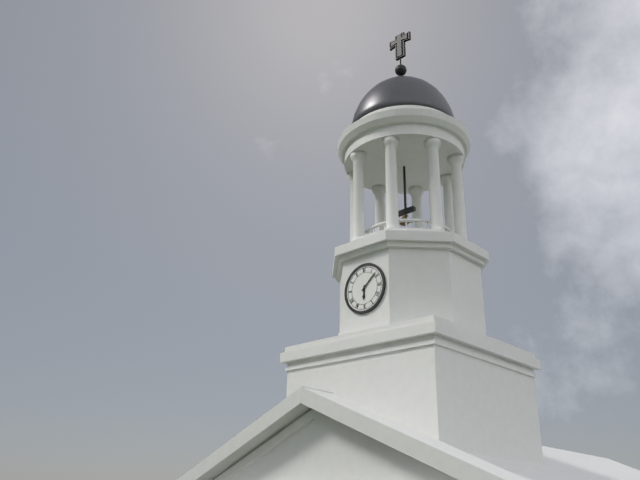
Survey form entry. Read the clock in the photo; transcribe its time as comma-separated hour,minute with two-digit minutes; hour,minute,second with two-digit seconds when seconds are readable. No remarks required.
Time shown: 6,08
